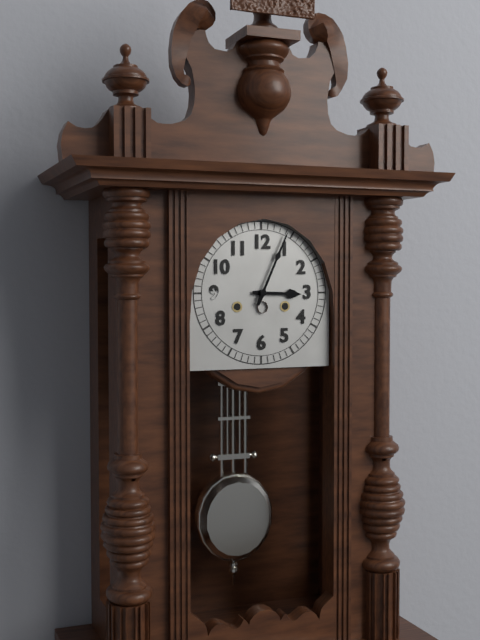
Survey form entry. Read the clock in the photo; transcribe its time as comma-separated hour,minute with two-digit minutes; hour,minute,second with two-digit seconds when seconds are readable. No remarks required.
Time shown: 3,04
